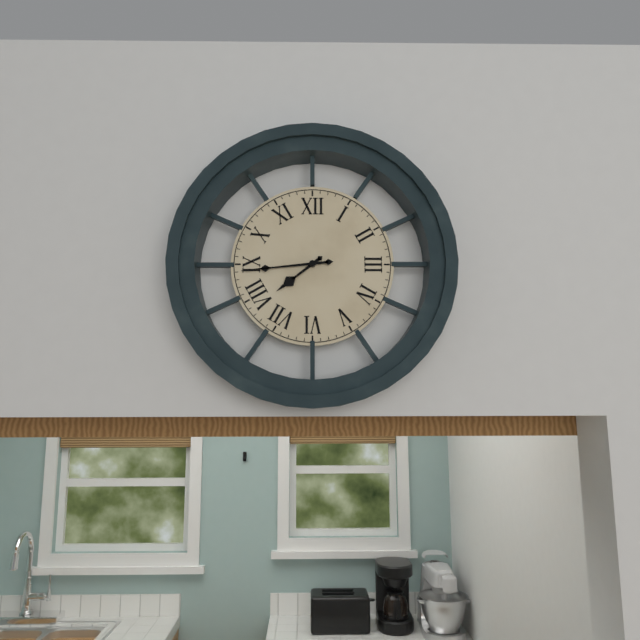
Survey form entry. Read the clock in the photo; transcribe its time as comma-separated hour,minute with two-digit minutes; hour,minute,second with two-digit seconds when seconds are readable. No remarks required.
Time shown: 7,44
